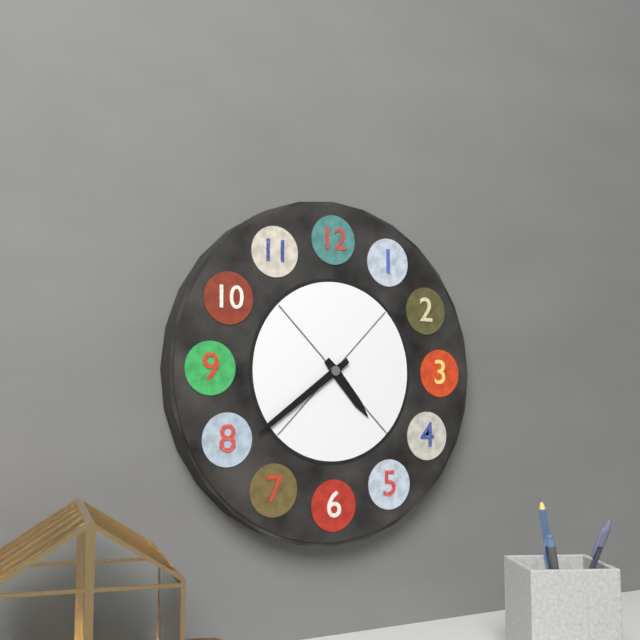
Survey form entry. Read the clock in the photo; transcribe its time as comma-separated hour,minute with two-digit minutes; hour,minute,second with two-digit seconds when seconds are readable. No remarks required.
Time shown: 4,39
